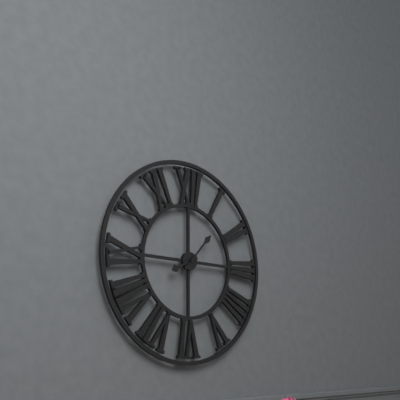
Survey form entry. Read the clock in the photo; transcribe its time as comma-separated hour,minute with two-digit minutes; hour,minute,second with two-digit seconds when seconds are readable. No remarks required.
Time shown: 8,07
